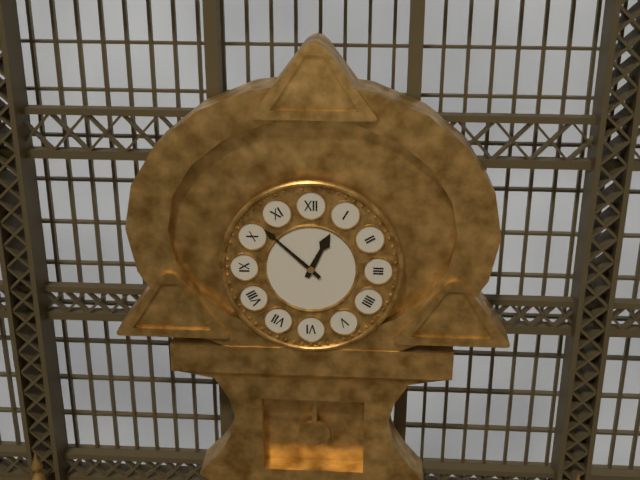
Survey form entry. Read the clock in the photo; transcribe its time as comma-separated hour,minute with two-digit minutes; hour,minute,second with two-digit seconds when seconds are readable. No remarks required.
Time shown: 12,52
